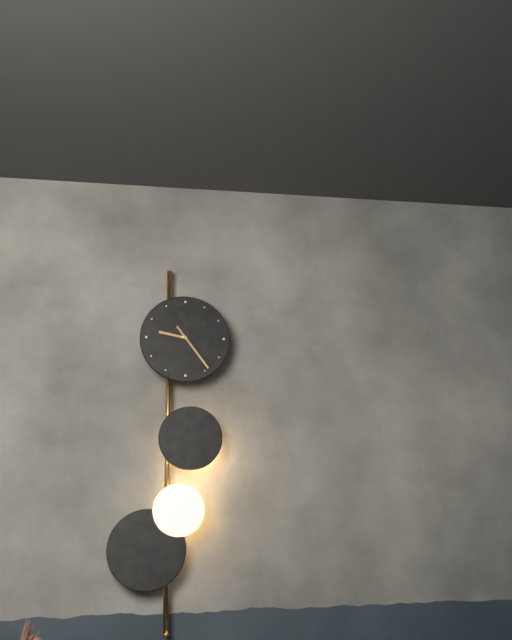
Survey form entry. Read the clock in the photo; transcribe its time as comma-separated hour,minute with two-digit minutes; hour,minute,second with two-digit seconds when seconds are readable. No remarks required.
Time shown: 9,24
